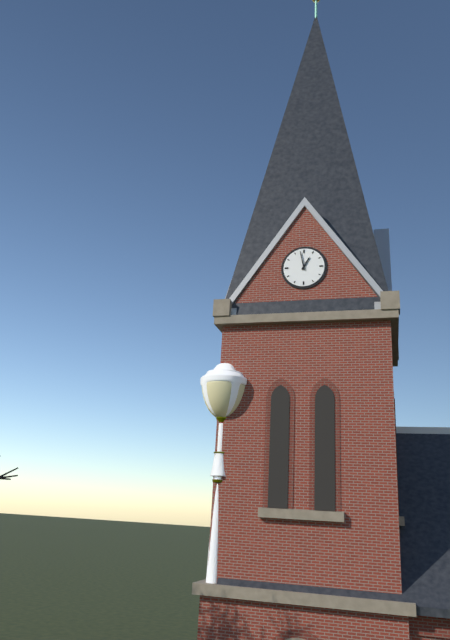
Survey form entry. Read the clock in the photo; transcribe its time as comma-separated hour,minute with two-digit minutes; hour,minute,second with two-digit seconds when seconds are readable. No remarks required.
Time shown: 12,58
